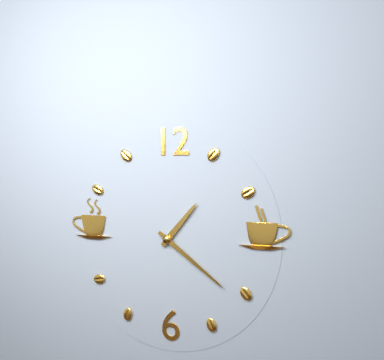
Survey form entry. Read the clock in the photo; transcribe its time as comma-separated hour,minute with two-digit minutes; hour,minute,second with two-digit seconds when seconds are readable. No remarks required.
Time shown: 1,21
